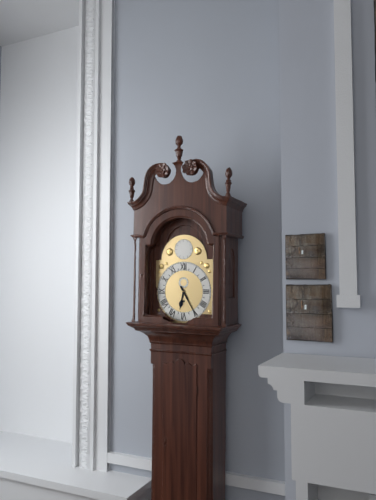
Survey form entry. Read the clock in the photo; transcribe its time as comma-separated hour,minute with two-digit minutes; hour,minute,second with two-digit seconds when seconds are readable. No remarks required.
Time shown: 6,25
